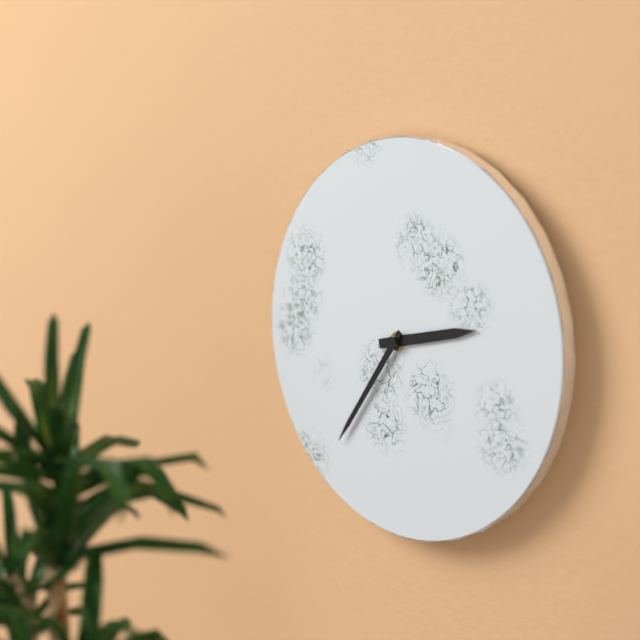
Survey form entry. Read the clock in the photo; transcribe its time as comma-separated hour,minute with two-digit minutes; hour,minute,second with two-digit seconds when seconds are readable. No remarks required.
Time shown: 2,36
